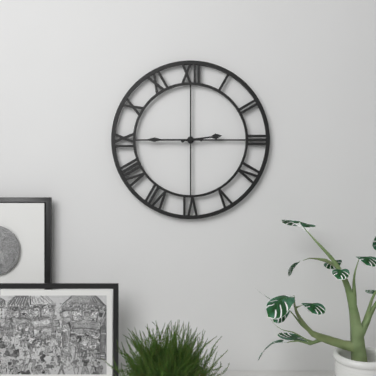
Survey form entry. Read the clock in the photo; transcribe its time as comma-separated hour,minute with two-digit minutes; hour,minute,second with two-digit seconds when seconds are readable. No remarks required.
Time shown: 2,45
